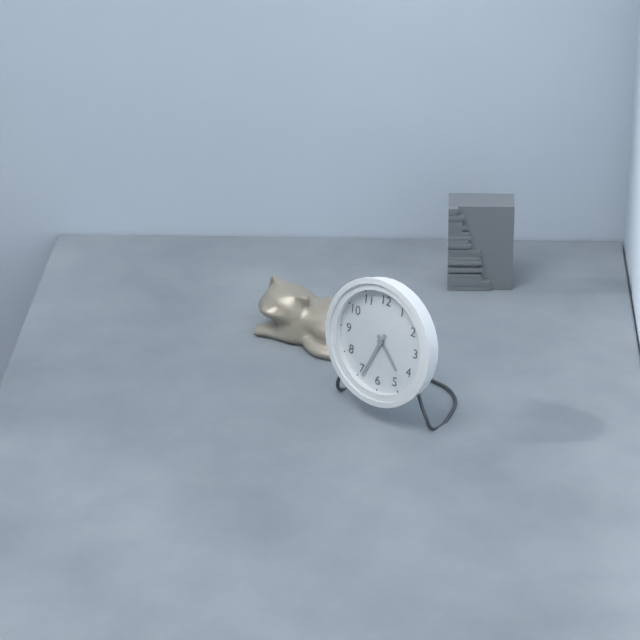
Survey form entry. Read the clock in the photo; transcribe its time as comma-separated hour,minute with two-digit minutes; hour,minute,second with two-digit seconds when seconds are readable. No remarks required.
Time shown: 4,34
